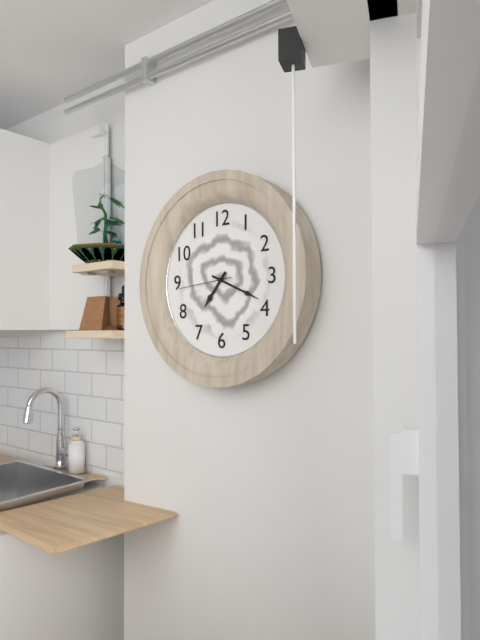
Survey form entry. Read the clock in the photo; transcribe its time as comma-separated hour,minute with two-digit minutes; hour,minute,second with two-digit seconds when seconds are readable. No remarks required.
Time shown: 7,19,44
